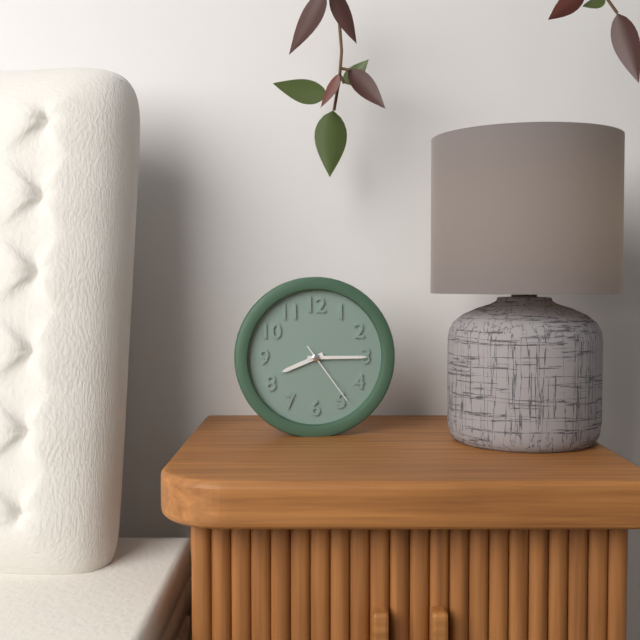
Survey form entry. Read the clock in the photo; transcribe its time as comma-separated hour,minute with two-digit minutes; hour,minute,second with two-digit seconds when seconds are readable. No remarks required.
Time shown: 8,15,24
